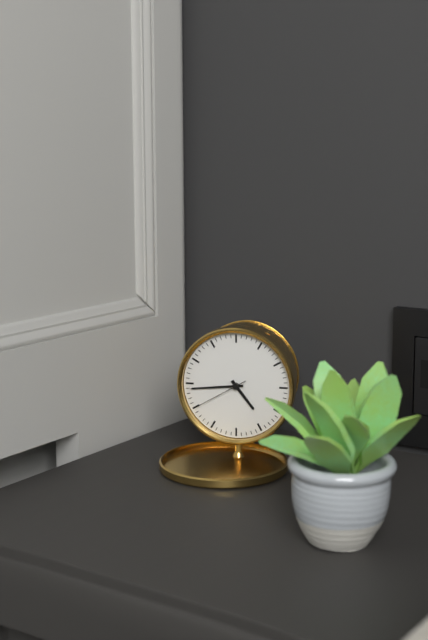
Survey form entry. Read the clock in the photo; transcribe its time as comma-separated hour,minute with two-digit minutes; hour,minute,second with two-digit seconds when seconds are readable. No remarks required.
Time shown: 4,44,40
